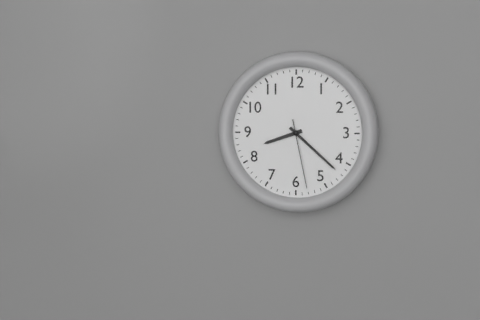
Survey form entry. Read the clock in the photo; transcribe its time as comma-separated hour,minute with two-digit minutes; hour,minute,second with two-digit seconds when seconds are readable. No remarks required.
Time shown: 8,22,28
